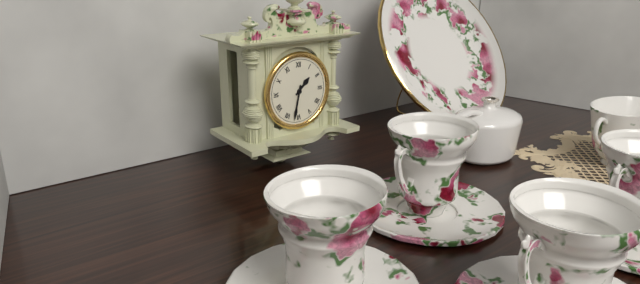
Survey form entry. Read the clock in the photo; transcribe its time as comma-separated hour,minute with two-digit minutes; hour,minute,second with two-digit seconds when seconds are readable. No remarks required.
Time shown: 1,32
